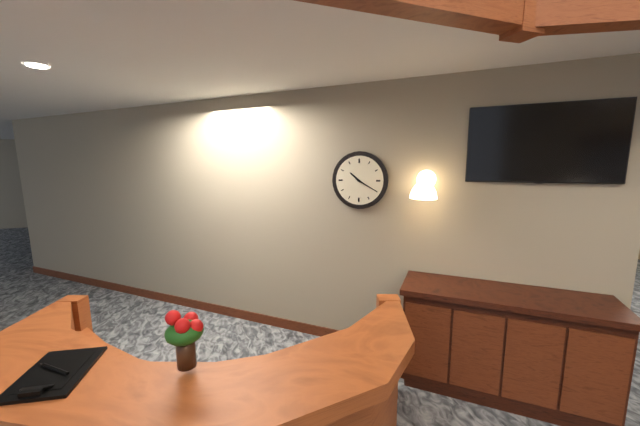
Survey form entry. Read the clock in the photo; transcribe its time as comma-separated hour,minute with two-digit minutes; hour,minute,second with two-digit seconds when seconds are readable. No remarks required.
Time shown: 10,20
